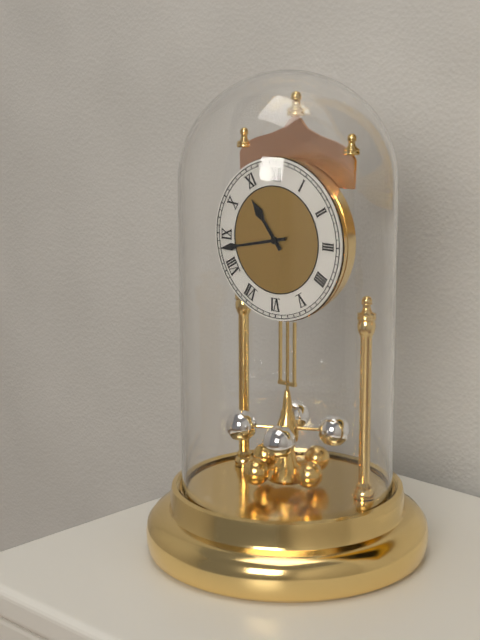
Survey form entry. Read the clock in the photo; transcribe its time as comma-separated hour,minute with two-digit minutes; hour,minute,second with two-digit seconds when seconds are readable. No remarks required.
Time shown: 10,43
